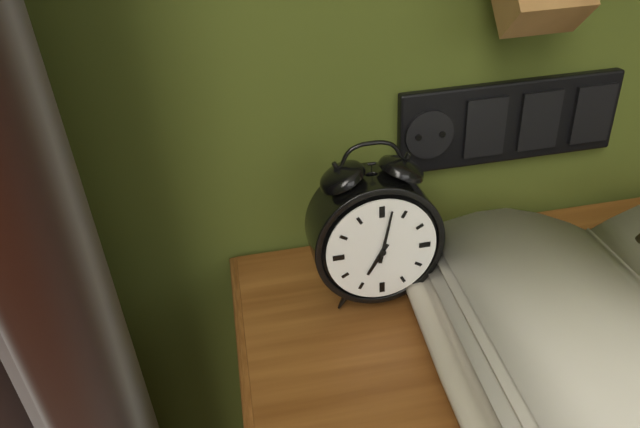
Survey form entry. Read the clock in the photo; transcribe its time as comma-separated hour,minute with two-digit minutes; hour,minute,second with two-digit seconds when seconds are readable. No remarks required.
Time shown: 7,02
